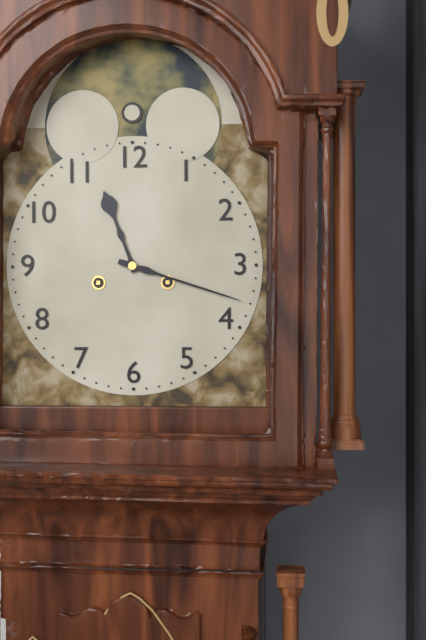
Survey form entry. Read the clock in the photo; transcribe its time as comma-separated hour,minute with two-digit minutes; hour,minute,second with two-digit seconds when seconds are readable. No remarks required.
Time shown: 11,18
